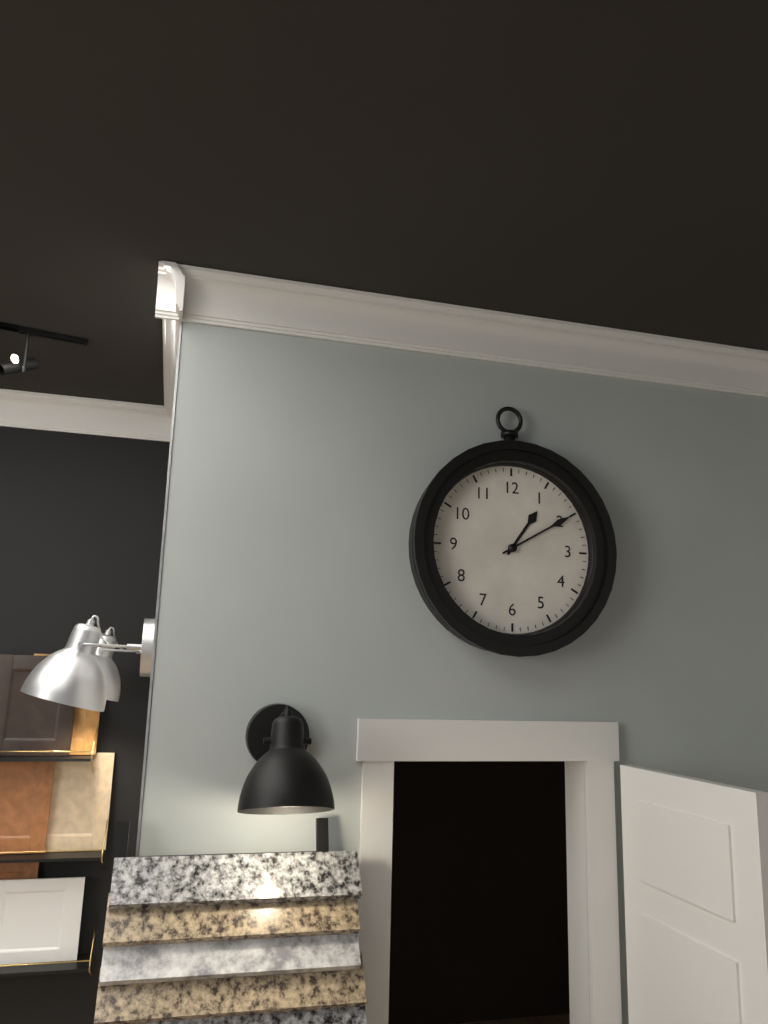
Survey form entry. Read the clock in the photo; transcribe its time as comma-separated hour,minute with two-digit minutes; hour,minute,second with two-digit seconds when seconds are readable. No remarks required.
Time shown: 1,10
